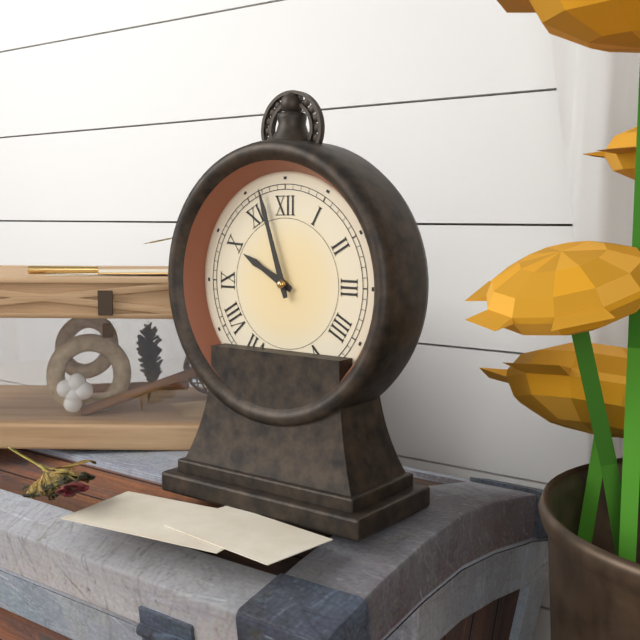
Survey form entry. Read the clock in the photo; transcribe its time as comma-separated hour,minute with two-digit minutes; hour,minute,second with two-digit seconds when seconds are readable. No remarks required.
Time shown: 9,57
